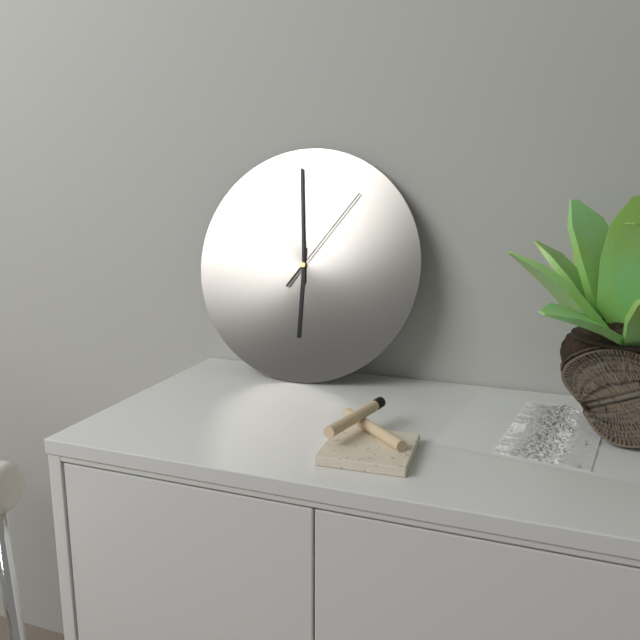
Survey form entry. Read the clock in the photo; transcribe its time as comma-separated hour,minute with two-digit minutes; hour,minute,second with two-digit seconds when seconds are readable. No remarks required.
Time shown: 5,59,06
